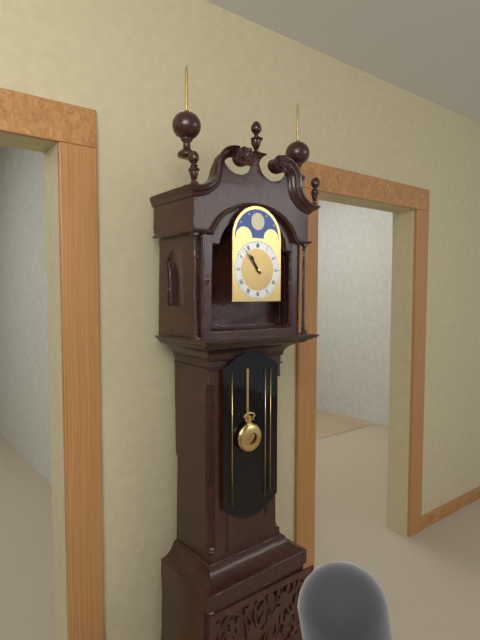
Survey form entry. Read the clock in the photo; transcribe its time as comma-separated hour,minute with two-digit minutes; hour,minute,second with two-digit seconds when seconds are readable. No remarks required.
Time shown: 10,53
